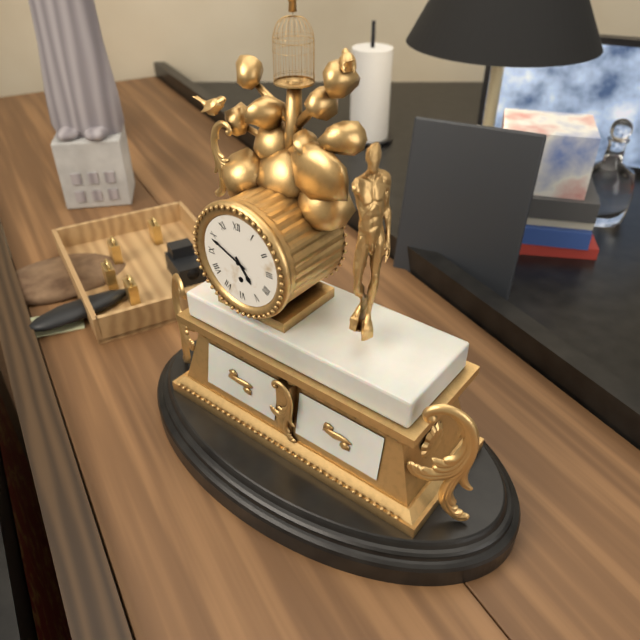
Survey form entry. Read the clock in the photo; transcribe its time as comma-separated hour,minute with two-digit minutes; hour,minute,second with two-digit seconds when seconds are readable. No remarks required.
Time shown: 4,49
